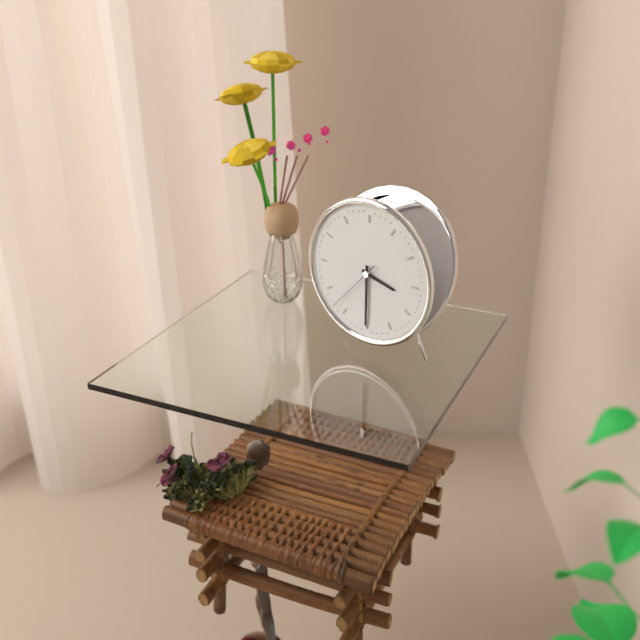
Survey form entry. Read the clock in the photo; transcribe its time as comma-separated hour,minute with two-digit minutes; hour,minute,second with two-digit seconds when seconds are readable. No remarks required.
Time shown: 3,30,37
